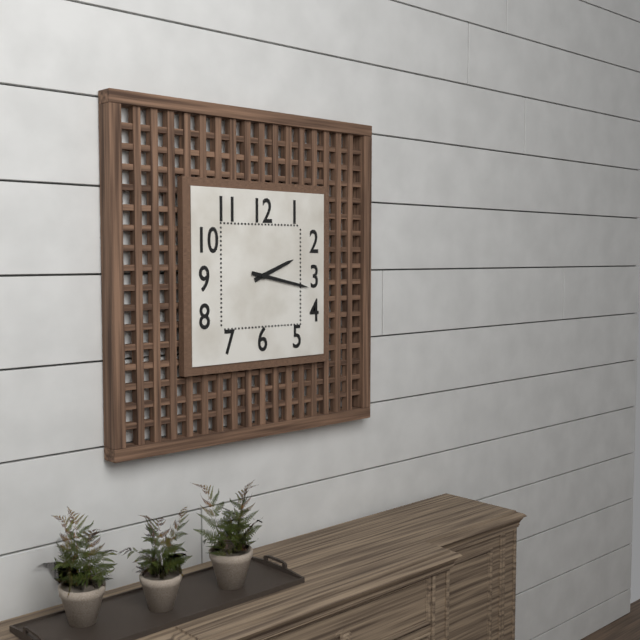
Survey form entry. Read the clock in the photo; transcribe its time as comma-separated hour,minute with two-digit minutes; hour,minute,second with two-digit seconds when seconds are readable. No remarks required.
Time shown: 2,17
